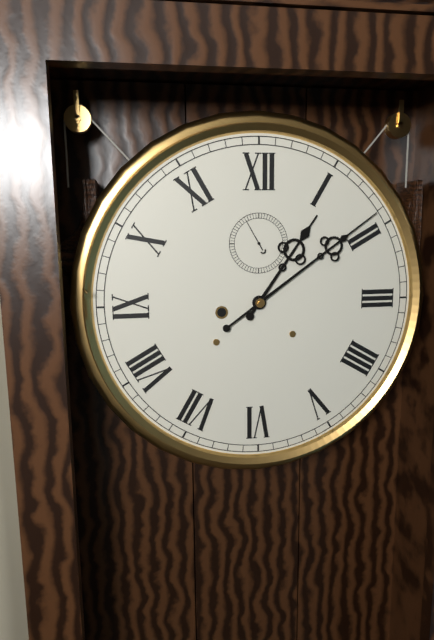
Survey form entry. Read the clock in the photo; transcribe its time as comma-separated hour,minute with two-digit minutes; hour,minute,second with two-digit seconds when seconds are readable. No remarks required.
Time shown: 1,09
